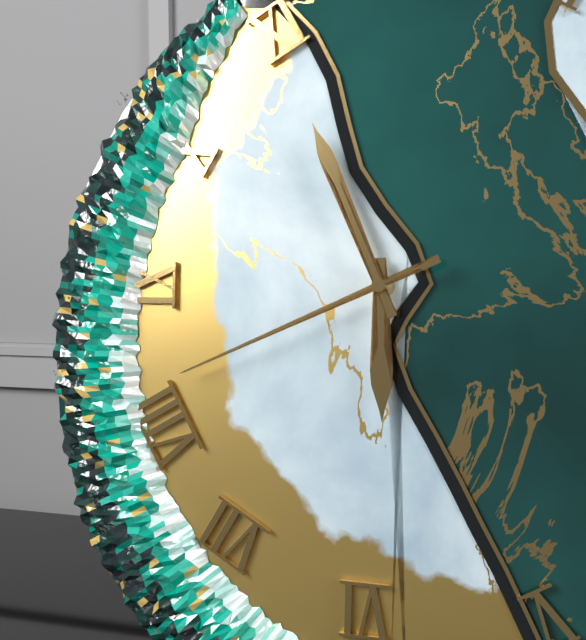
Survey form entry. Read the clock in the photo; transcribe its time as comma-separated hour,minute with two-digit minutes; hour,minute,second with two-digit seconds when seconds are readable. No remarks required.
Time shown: 5,56,41
